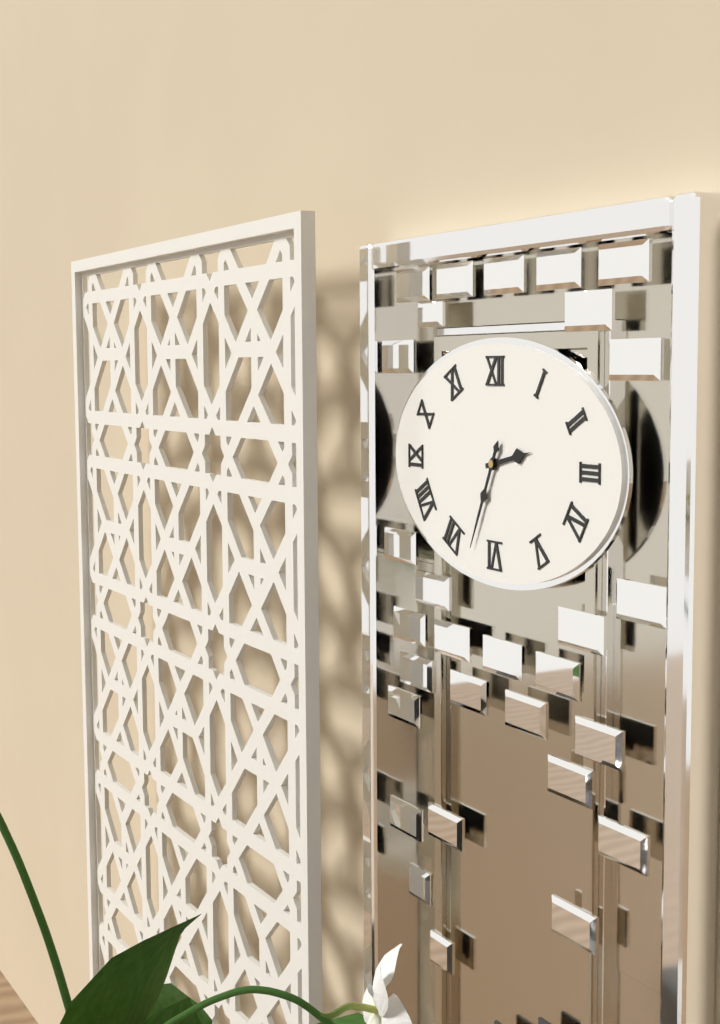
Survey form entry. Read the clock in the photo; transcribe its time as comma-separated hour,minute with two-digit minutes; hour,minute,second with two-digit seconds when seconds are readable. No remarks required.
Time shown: 2,34
